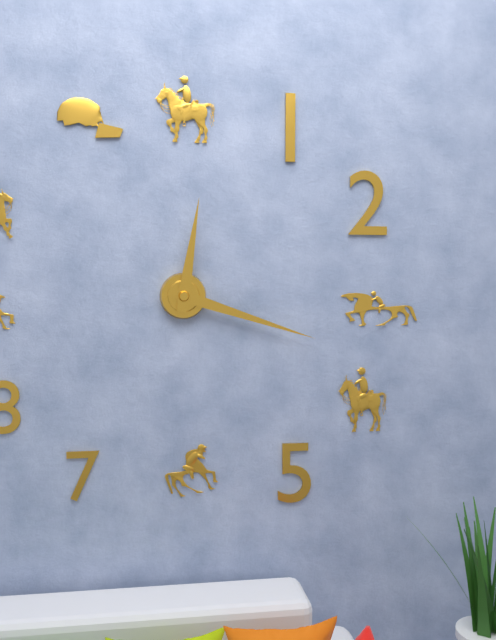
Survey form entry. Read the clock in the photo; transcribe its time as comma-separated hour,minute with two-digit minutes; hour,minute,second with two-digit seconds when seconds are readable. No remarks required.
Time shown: 12,18
